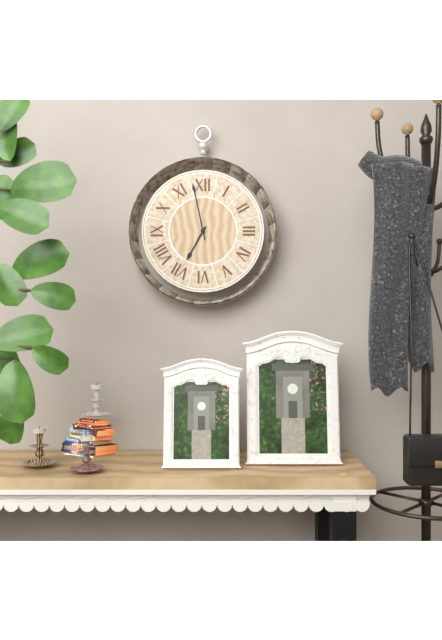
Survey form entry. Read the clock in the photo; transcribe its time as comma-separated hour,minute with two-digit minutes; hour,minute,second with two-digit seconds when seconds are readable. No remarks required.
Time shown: 6,58
